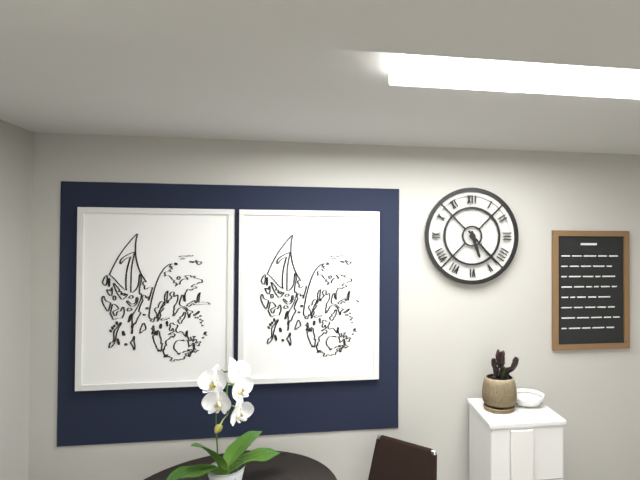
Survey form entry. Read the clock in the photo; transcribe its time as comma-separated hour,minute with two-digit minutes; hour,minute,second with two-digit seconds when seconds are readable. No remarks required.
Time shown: 5,23
